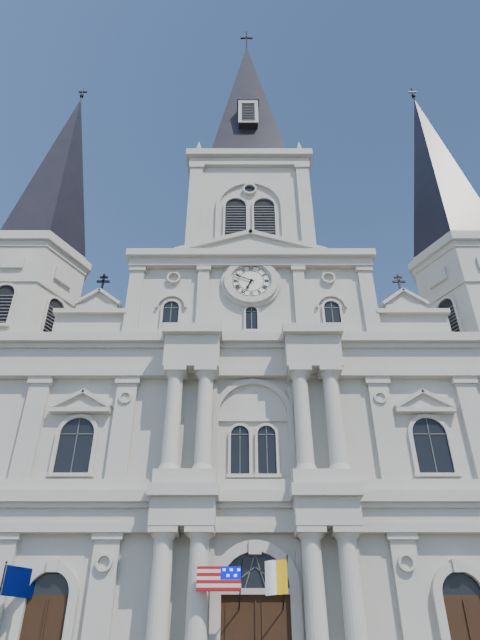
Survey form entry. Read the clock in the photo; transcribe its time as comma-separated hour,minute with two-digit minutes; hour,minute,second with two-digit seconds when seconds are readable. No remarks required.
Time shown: 6,49
